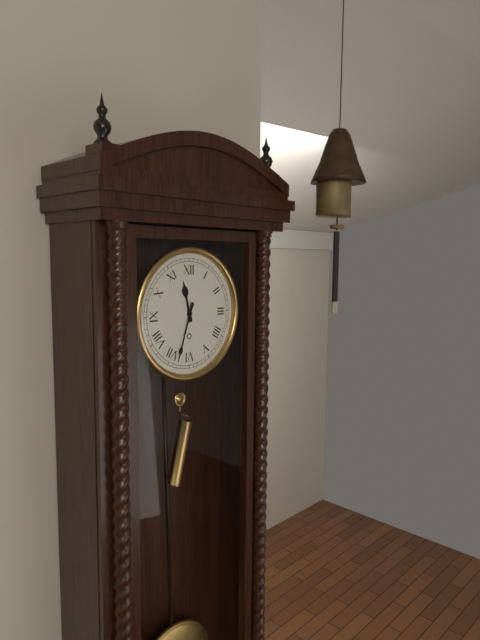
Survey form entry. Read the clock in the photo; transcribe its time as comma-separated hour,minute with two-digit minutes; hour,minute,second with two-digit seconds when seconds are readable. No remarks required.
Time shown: 11,33
